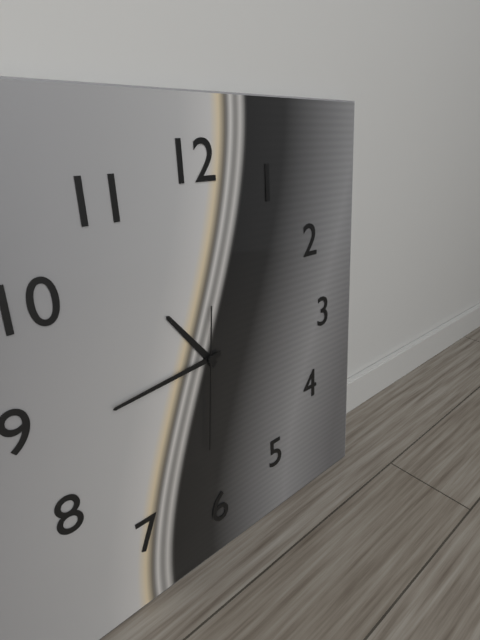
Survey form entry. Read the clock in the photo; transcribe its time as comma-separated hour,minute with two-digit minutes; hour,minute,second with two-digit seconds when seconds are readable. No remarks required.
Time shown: 10,44,31
